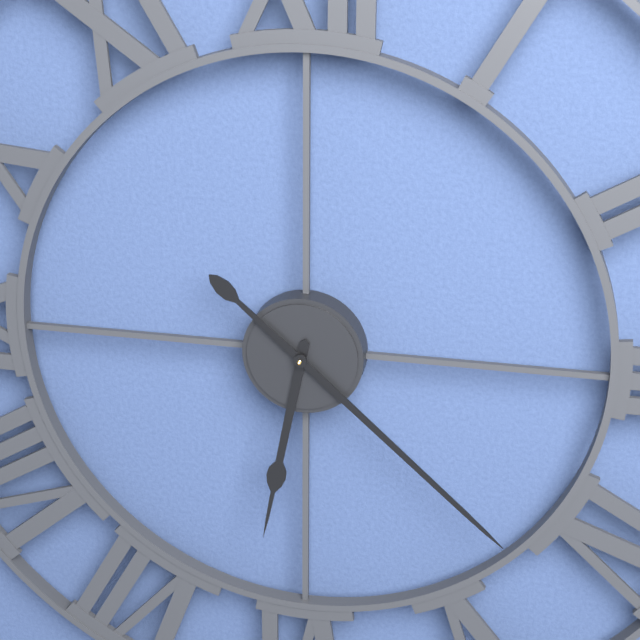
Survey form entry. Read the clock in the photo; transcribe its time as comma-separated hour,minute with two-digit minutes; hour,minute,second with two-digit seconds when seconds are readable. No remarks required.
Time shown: 6,22
